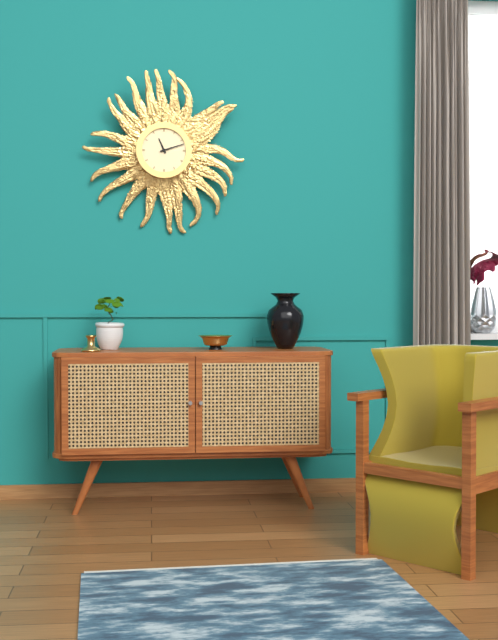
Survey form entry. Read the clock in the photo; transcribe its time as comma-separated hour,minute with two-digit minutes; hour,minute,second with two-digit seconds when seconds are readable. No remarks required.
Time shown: 11,12
